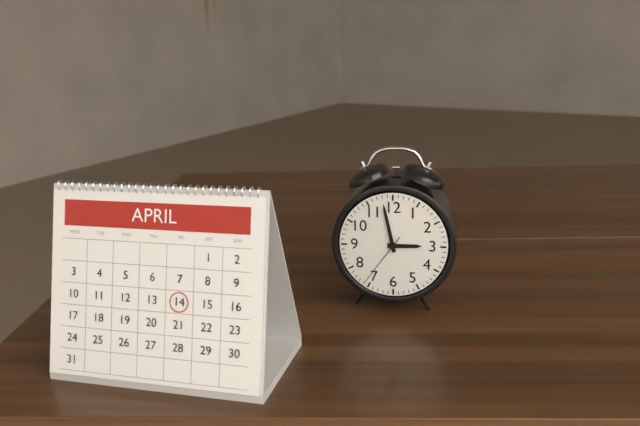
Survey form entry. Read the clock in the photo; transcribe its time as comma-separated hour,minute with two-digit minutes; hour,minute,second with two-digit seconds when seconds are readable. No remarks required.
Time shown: 2,58,36
